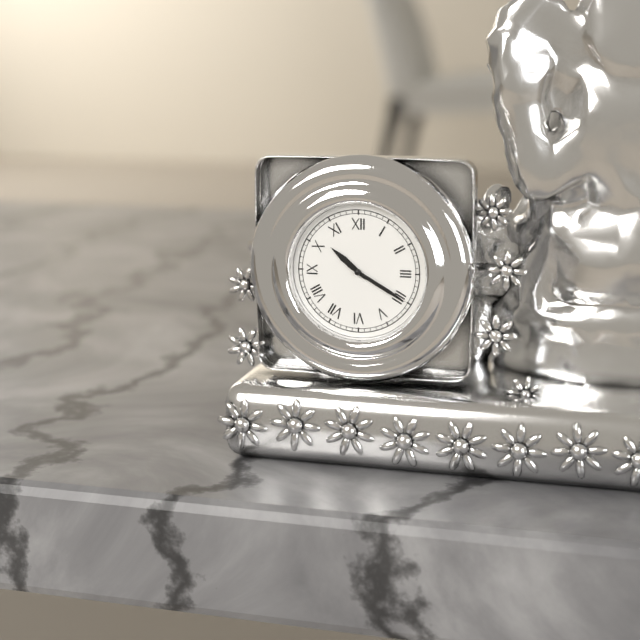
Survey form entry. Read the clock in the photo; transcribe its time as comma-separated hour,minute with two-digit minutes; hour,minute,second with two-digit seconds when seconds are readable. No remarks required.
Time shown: 10,20
